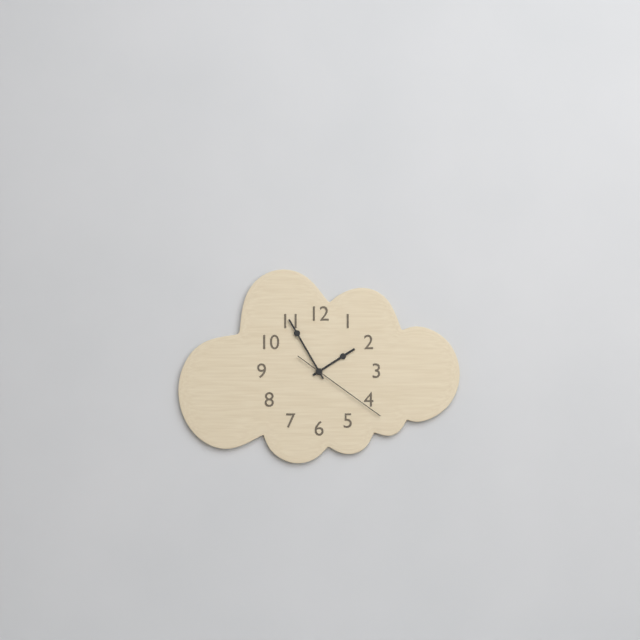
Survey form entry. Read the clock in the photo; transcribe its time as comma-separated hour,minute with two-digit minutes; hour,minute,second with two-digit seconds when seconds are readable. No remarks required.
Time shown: 1,55,21
